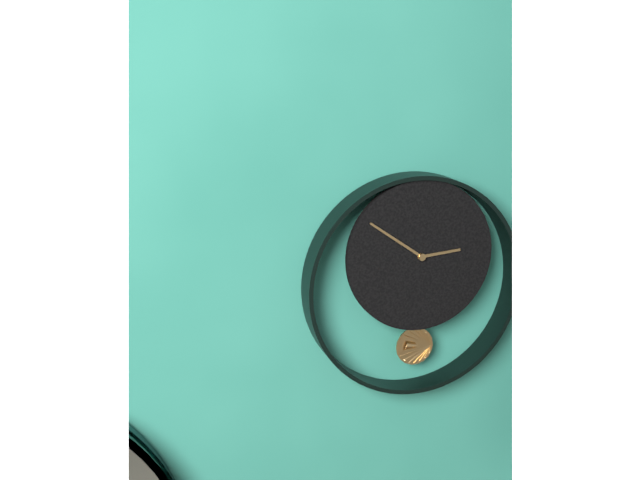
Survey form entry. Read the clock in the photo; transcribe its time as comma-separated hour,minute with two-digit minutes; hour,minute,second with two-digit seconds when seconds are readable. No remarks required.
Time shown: 2,51
